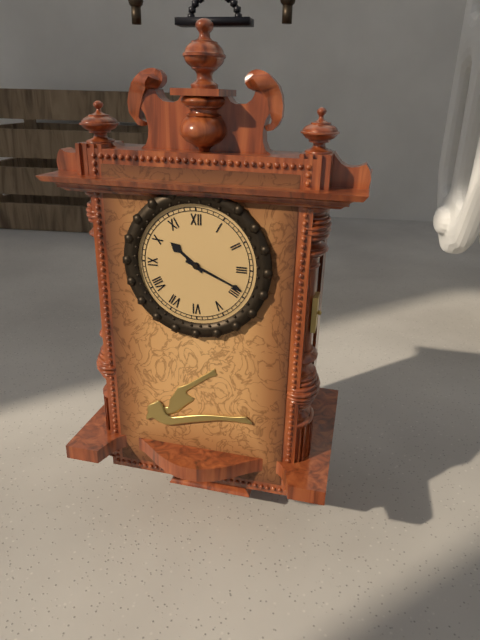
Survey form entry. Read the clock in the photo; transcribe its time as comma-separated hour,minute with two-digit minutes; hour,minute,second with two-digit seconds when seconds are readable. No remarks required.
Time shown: 10,19
